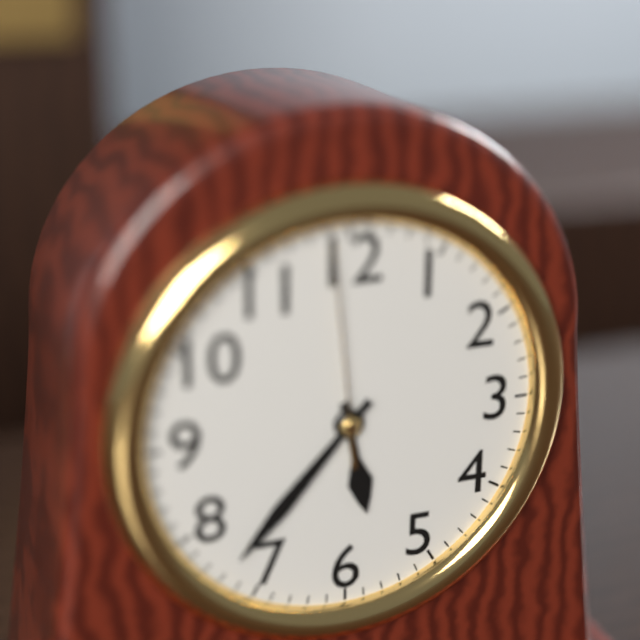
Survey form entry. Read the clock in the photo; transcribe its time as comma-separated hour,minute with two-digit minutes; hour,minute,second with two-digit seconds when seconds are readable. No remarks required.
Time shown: 5,37,59
